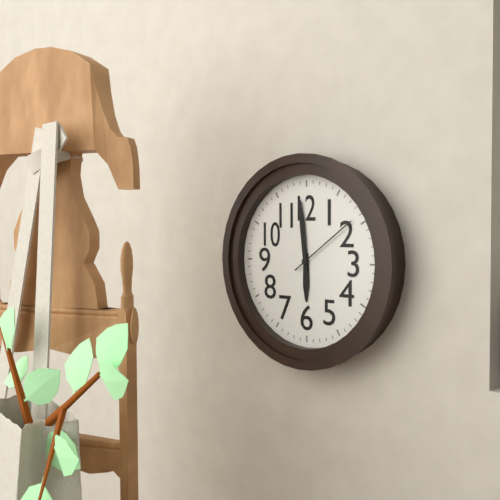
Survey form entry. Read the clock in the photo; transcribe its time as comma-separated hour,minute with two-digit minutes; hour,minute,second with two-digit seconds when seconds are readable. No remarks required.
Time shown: 5,59,09
